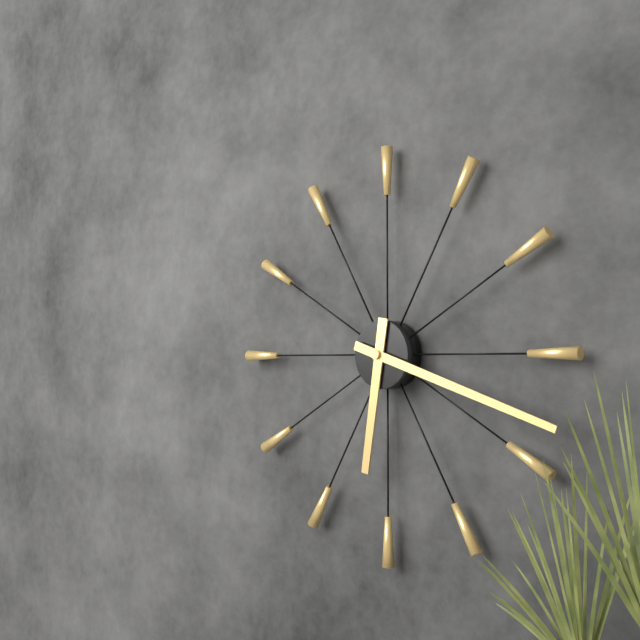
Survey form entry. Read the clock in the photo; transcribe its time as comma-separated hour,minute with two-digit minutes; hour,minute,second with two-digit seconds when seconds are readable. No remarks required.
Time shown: 6,18
